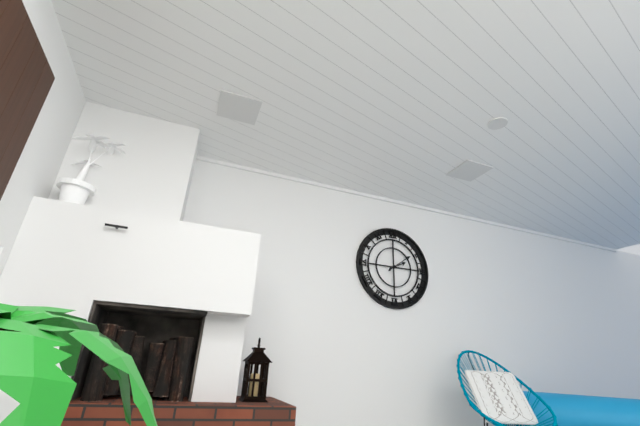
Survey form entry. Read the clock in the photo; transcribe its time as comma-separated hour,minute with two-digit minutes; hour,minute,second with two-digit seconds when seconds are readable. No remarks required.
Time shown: 2,09
